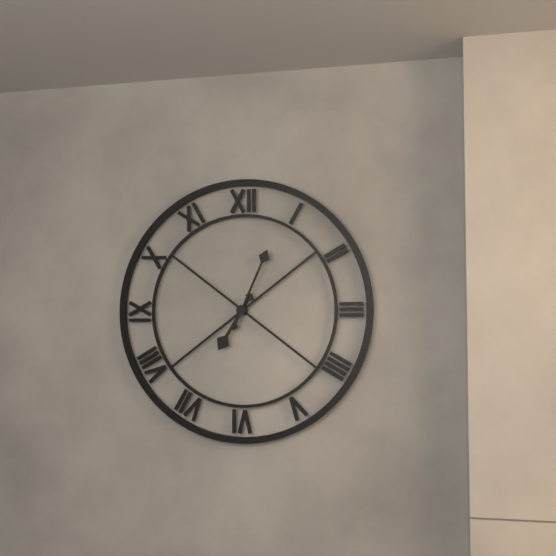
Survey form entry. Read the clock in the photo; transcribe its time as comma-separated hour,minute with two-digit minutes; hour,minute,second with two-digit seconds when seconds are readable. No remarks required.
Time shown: 7,04
